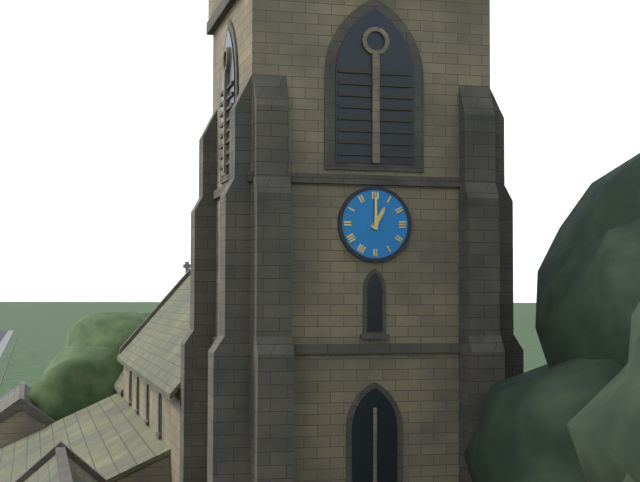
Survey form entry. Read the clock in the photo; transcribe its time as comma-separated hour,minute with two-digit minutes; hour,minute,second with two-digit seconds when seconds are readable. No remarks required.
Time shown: 1,00
